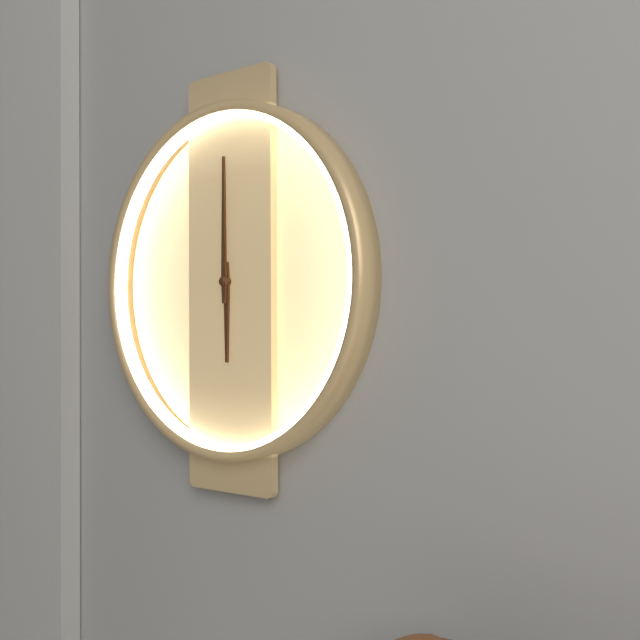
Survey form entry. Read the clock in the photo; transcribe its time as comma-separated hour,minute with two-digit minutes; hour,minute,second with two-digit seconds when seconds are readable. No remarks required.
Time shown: 6,00
